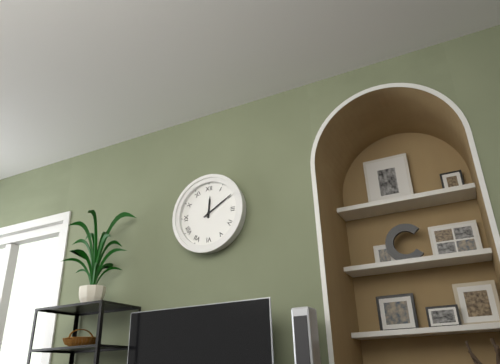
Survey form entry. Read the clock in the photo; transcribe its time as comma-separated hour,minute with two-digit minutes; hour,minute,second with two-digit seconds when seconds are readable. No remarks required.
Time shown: 12,10
